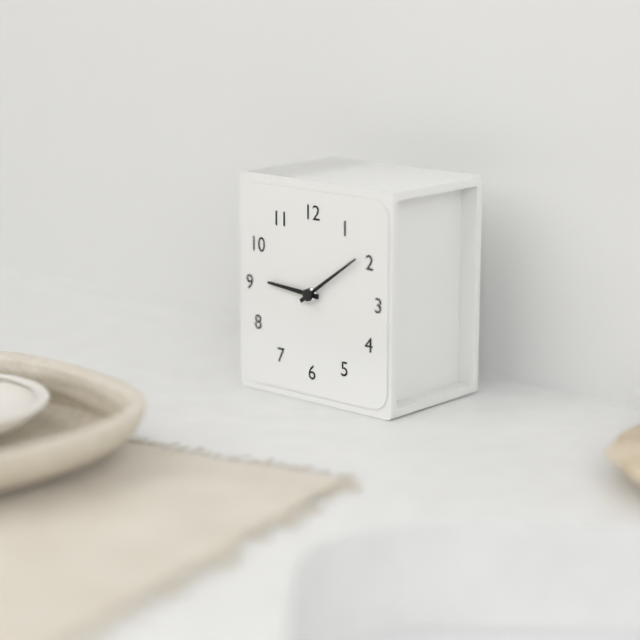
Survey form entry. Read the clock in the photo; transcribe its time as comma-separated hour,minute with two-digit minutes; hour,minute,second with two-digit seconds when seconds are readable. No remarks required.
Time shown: 9,09
